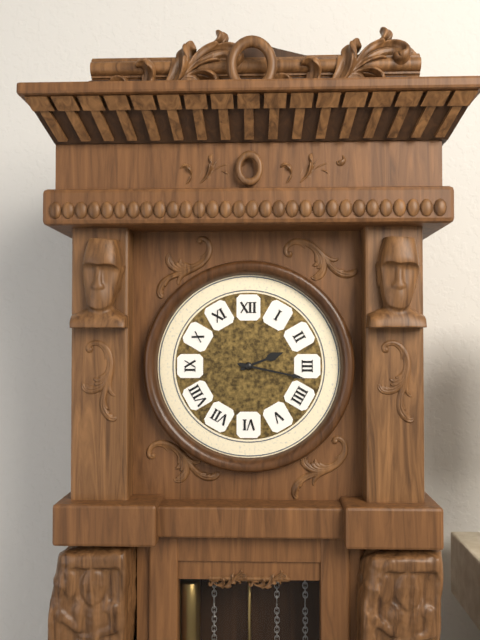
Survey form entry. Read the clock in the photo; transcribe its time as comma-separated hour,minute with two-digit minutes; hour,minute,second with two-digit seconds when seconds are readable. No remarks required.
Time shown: 2,17
